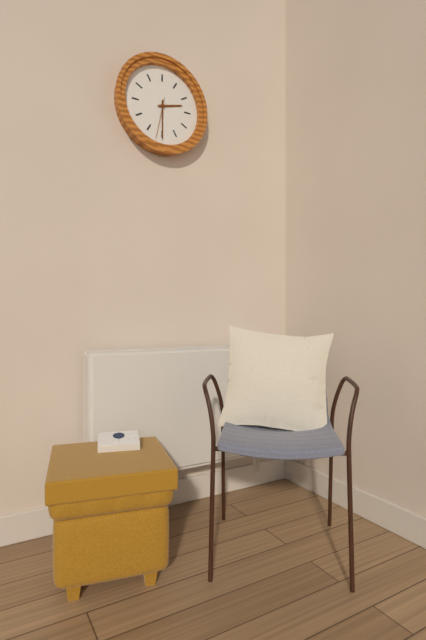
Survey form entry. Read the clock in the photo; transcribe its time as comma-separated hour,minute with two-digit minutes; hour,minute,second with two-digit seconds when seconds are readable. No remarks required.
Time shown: 2,30
